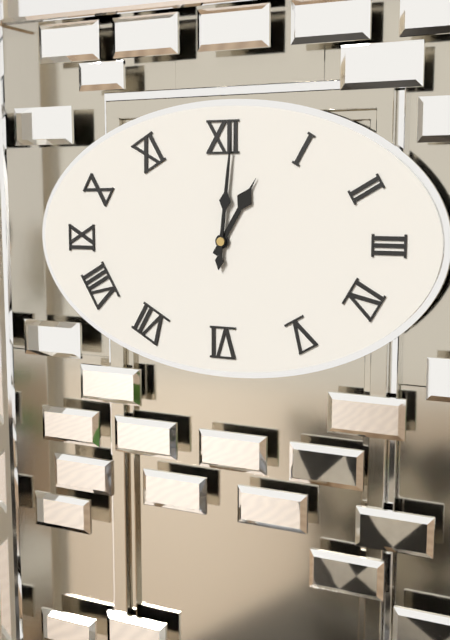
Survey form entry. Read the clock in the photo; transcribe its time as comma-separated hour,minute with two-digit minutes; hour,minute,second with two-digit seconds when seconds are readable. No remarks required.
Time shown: 1,01
